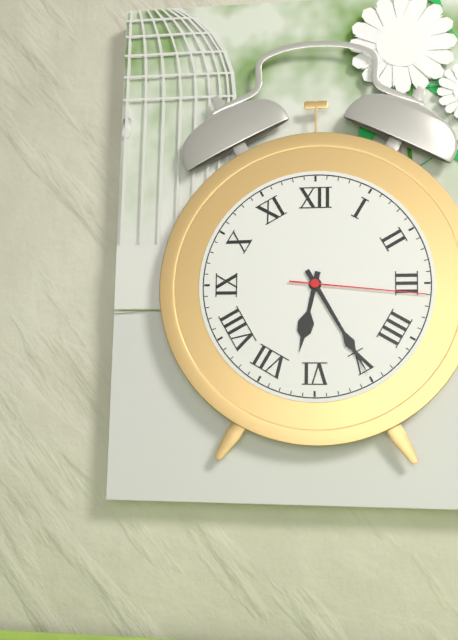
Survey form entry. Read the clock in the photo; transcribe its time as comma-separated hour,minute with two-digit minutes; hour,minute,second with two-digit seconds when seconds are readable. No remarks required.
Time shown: 6,25,16
